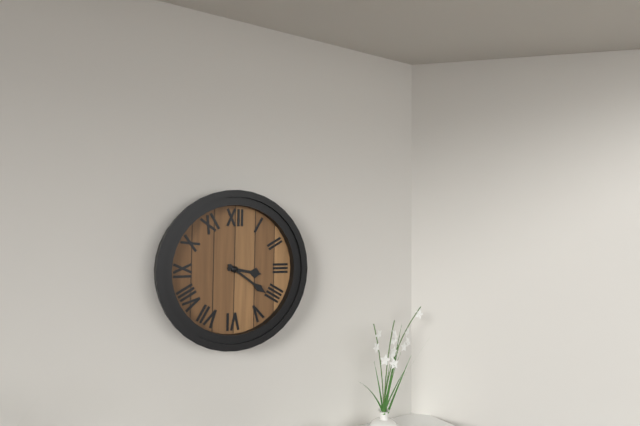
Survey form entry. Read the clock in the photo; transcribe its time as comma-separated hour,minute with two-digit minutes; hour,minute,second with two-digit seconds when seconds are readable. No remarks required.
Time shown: 3,21
